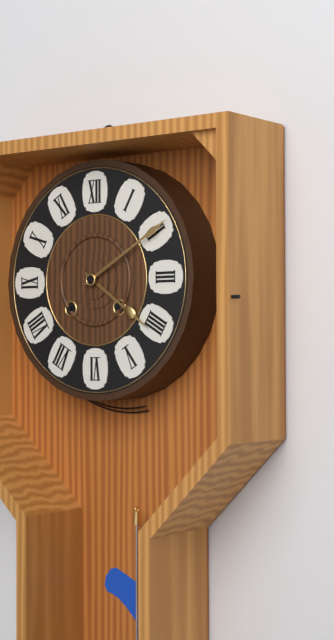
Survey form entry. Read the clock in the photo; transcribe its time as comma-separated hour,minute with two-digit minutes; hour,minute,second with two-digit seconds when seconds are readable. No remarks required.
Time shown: 4,10
